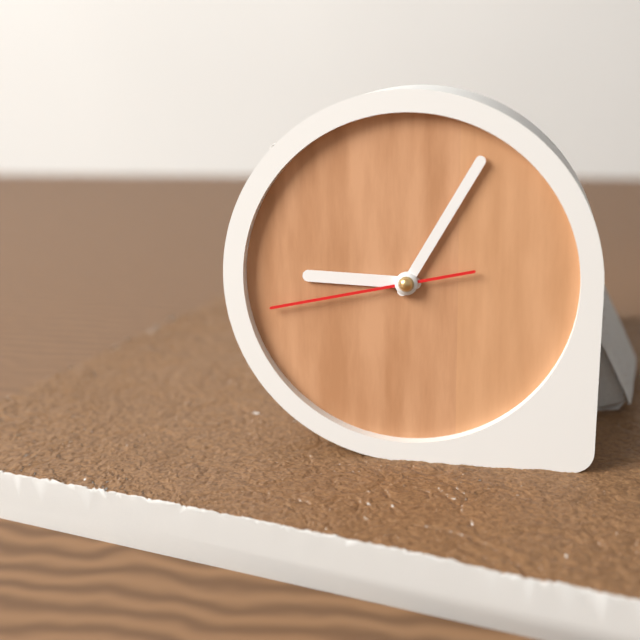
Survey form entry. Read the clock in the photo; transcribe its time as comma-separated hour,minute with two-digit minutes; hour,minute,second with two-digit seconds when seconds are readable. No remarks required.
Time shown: 9,05,43
